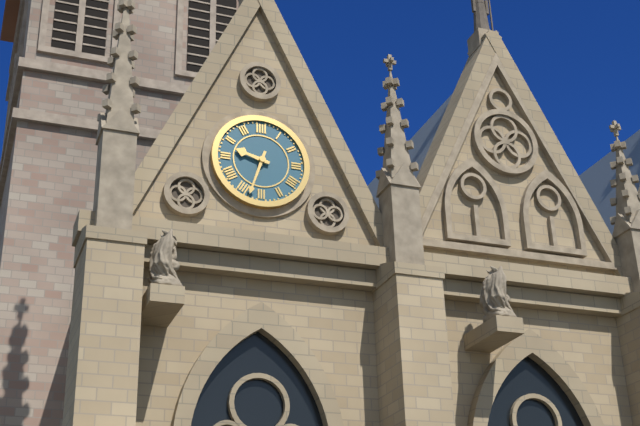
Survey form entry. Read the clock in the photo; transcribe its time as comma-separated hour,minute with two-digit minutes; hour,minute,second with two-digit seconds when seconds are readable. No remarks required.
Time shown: 9,33
